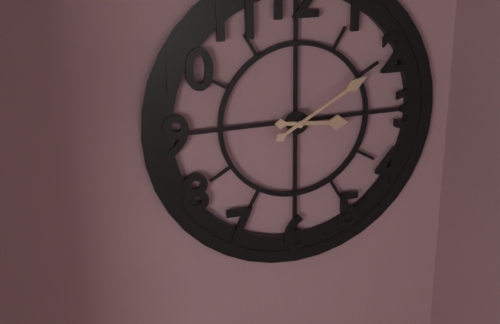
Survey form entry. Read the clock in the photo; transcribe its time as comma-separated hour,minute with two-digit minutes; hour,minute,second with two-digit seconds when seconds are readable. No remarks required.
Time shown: 3,10
